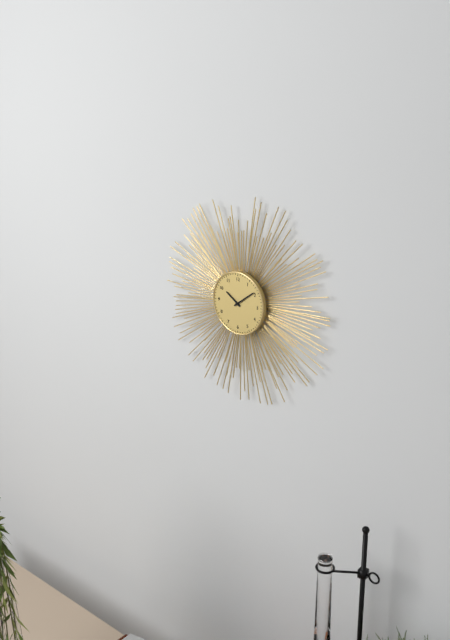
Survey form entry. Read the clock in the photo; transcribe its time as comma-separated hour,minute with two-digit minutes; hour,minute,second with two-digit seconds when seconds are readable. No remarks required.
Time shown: 10,09
